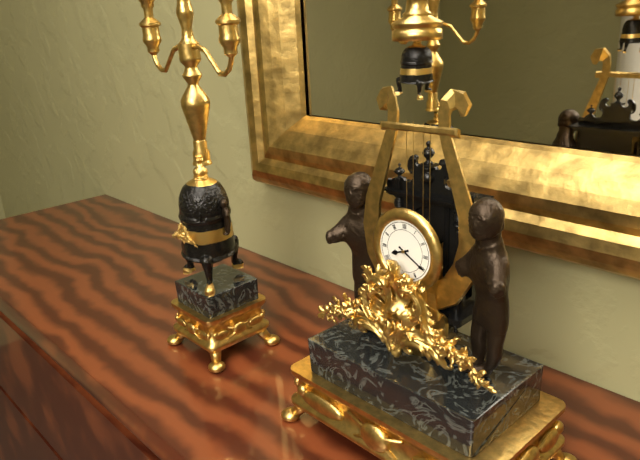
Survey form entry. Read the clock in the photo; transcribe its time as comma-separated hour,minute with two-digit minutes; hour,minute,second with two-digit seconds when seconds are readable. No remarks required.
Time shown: 8,20
